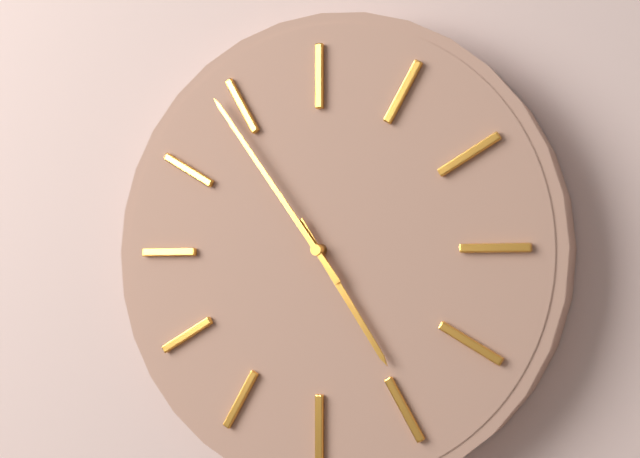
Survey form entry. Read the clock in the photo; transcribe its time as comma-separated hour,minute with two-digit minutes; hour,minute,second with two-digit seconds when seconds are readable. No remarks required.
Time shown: 4,54
